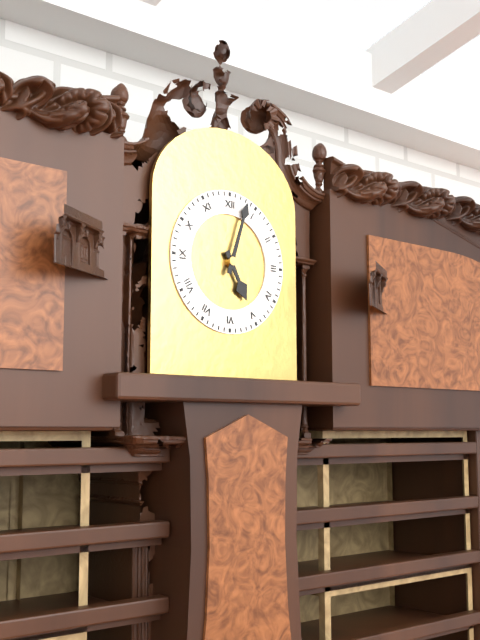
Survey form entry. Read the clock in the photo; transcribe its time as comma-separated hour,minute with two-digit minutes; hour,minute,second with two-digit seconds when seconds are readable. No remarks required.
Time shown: 5,03
